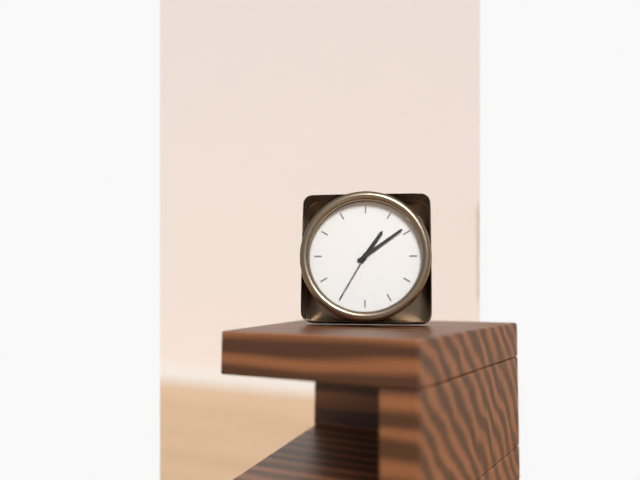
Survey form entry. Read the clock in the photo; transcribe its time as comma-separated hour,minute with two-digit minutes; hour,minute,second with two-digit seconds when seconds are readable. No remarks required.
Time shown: 1,09,35
